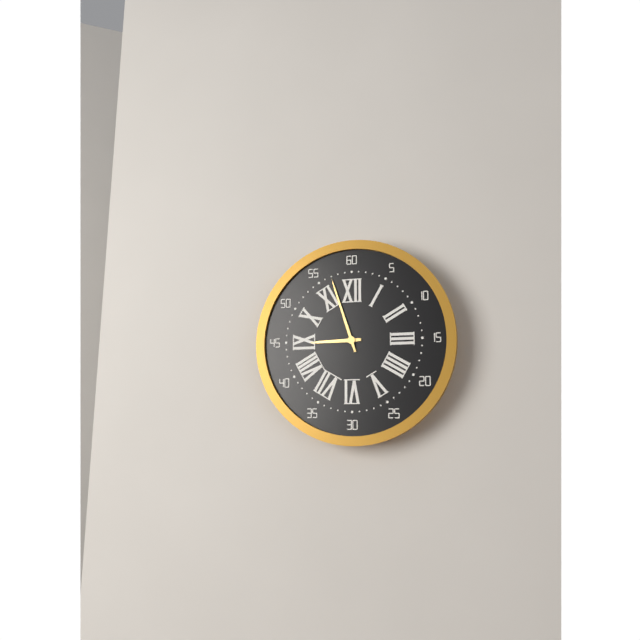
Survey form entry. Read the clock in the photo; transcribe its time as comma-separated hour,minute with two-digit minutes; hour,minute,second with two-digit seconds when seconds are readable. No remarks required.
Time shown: 8,57
